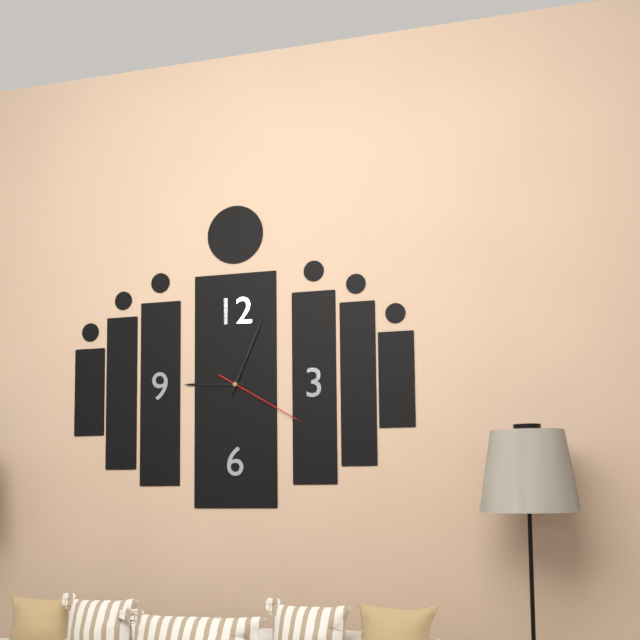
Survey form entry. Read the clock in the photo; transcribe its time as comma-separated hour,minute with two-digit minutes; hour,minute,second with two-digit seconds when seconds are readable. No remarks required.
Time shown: 9,04,20
